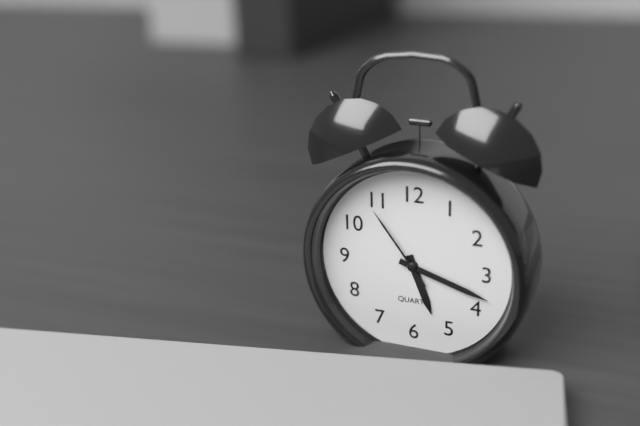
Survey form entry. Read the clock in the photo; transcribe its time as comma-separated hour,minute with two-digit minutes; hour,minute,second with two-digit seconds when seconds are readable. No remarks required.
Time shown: 5,18,54
